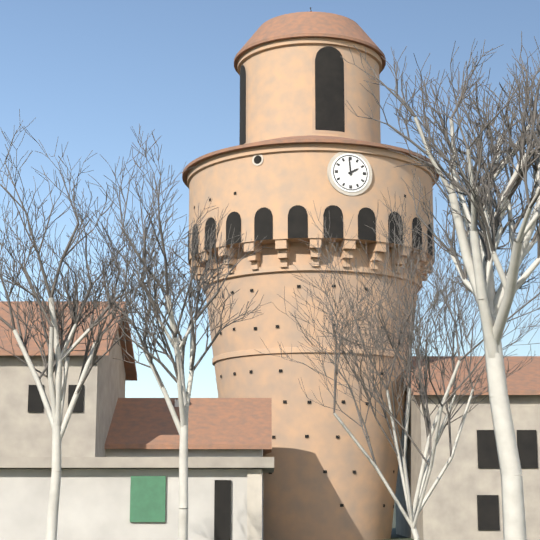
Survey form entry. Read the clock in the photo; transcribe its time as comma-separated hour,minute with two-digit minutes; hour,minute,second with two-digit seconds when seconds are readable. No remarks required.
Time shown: 1,59
